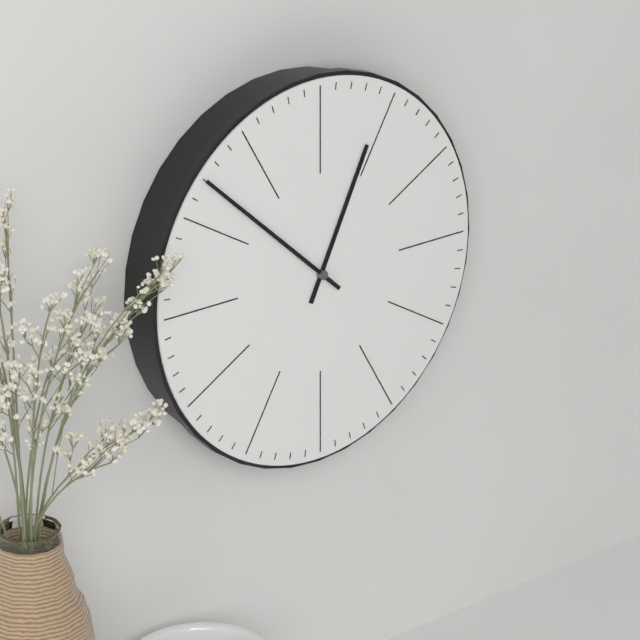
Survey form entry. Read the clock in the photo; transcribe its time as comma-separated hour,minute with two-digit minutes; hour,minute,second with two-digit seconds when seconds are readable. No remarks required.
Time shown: 12,52
